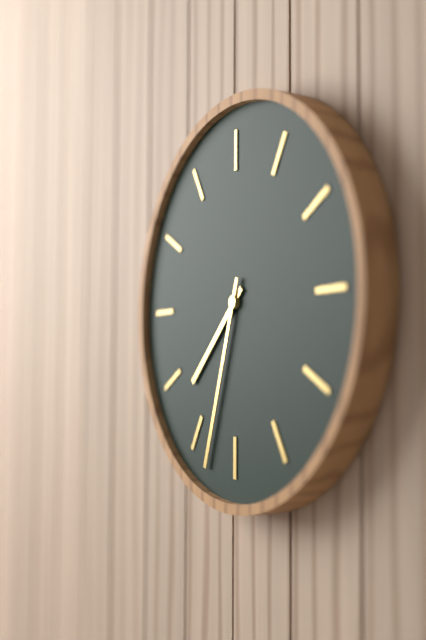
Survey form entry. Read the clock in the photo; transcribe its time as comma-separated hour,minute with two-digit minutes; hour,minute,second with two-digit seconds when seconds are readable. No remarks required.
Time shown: 7,33
